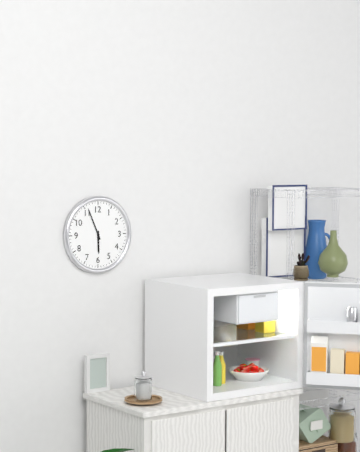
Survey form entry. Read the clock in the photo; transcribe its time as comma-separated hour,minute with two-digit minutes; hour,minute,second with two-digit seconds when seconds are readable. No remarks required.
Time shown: 5,56
